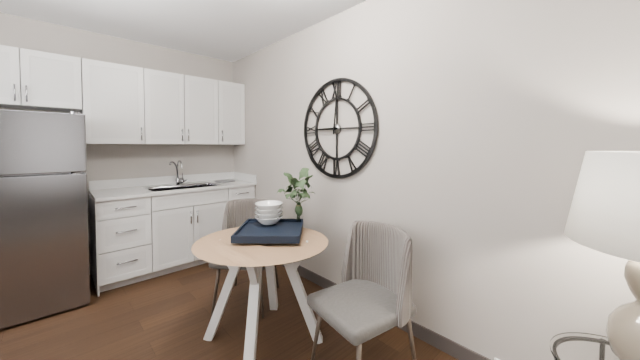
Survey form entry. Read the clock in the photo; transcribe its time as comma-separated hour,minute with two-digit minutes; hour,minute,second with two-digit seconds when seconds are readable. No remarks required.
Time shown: 9,01
